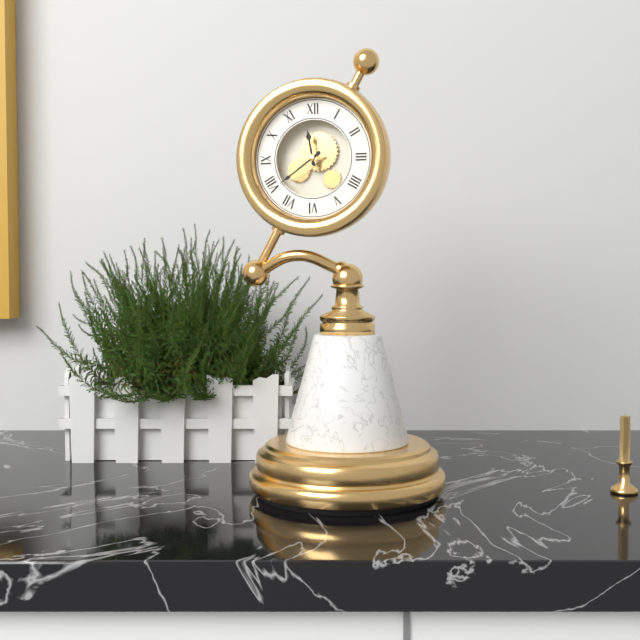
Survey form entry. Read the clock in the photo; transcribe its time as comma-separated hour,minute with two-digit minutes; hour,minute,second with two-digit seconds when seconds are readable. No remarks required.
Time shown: 11,39
